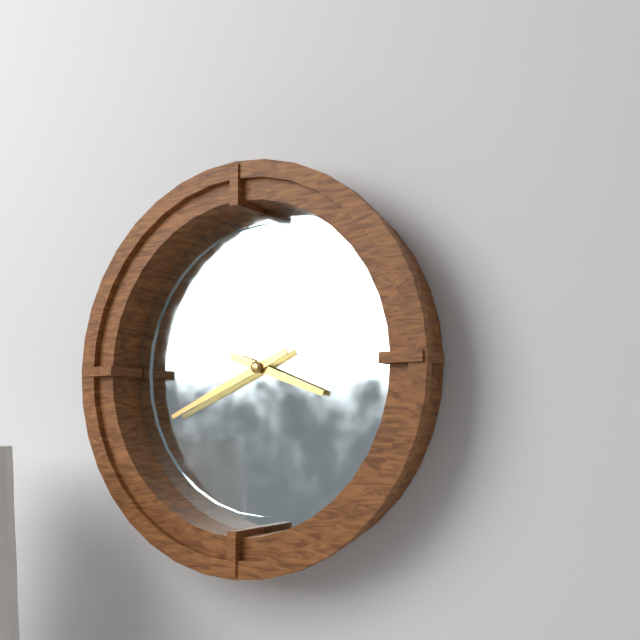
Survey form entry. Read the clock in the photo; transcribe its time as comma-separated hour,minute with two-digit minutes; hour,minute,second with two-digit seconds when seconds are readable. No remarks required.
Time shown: 3,41
